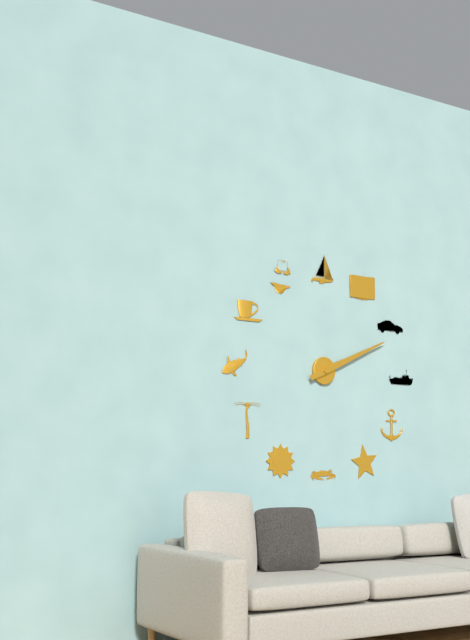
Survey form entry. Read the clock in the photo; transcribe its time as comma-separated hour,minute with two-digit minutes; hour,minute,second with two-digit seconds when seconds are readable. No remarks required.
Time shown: 2,11
